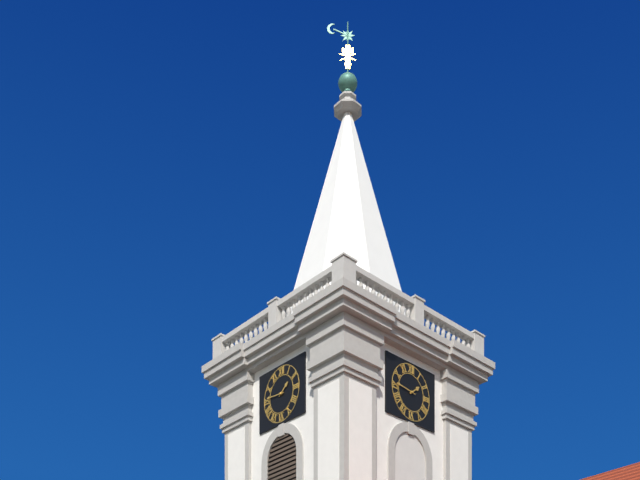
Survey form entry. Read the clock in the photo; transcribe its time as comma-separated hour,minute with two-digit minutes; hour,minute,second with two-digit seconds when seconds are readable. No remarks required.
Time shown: 1,46
